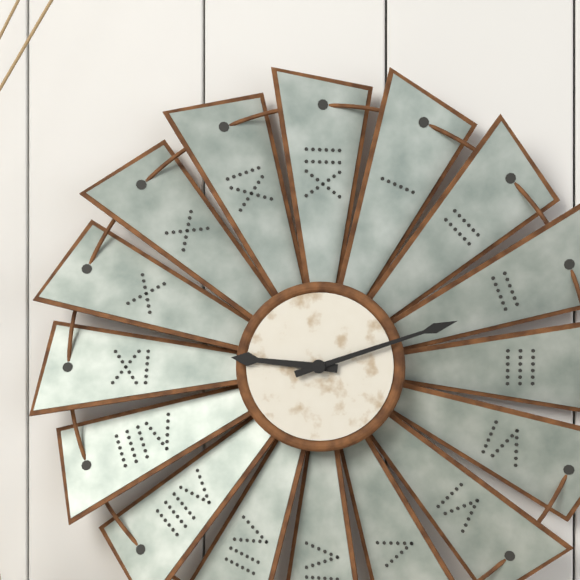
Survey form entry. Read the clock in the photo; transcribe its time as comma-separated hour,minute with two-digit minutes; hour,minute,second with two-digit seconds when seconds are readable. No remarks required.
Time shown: 9,12
